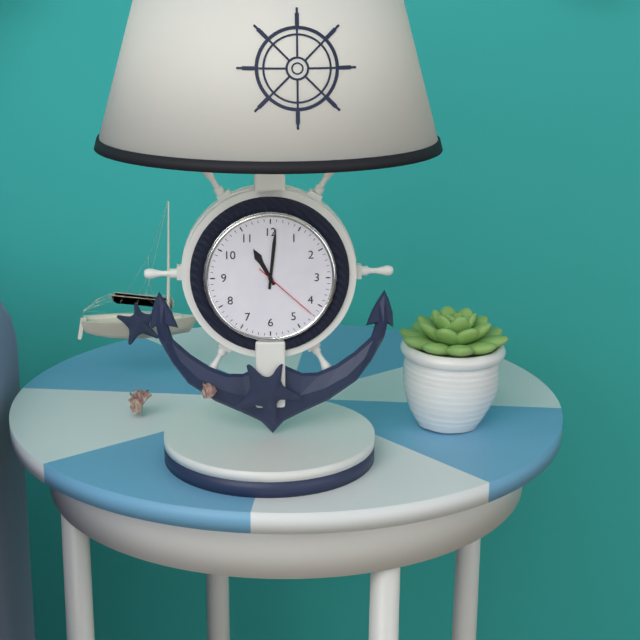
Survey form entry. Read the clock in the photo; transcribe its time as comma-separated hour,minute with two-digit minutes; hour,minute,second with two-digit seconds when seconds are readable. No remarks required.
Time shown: 11,01,22
